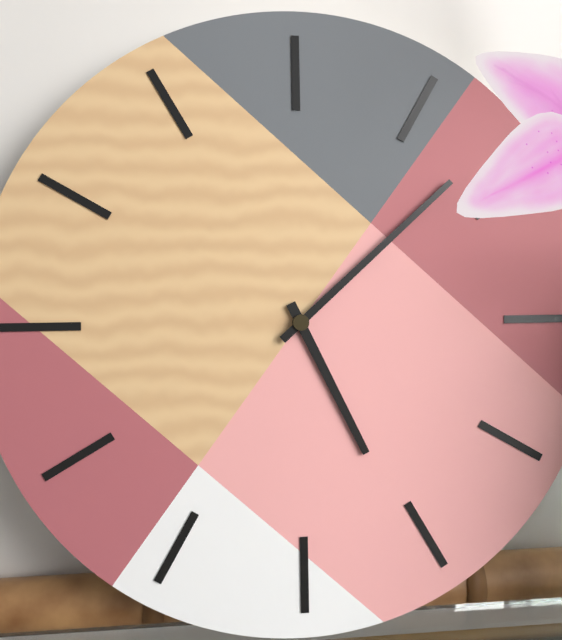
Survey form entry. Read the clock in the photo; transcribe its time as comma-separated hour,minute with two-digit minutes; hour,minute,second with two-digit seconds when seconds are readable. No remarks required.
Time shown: 5,08
